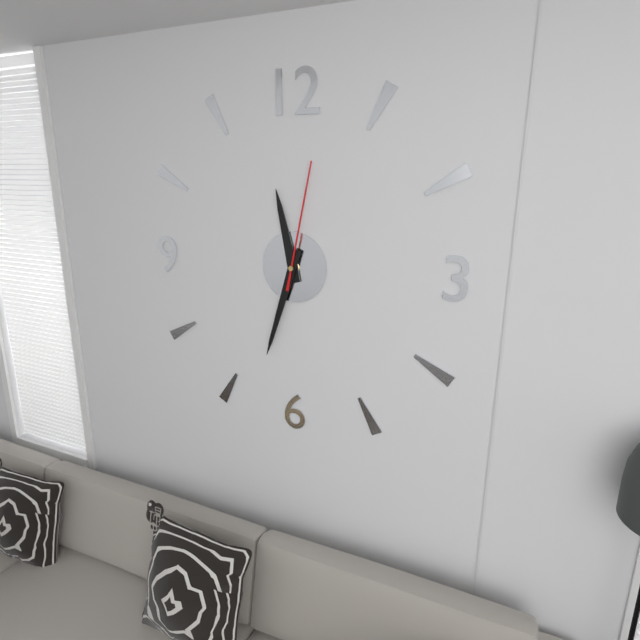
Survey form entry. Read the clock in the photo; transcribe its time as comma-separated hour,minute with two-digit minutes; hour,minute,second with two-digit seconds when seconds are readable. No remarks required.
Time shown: 11,33,02
